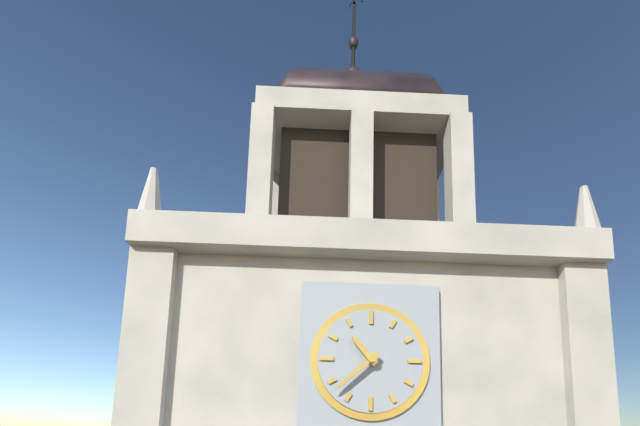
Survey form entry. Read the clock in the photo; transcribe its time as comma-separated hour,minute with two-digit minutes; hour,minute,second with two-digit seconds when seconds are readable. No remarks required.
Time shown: 10,38
